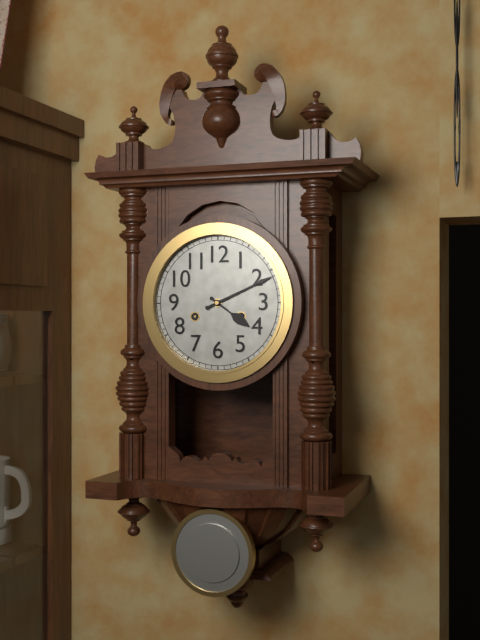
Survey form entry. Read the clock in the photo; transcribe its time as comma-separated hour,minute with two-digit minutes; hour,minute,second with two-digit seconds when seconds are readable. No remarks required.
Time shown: 4,11
